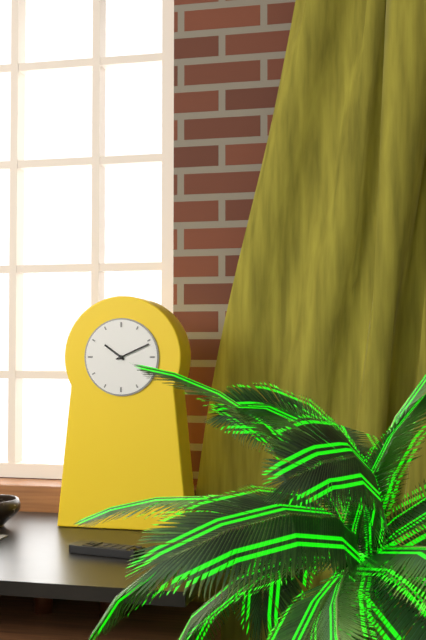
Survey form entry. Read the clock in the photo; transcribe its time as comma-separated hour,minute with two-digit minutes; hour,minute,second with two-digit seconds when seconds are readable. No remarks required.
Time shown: 10,11
